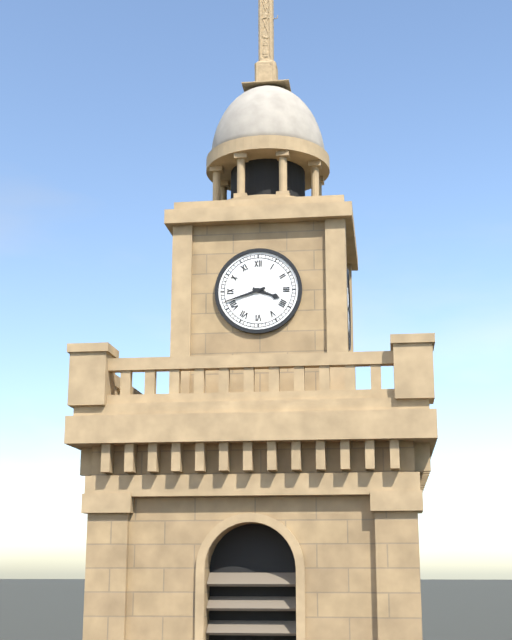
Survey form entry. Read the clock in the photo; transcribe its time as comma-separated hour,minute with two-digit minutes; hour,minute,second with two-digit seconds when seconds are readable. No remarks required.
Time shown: 3,42
